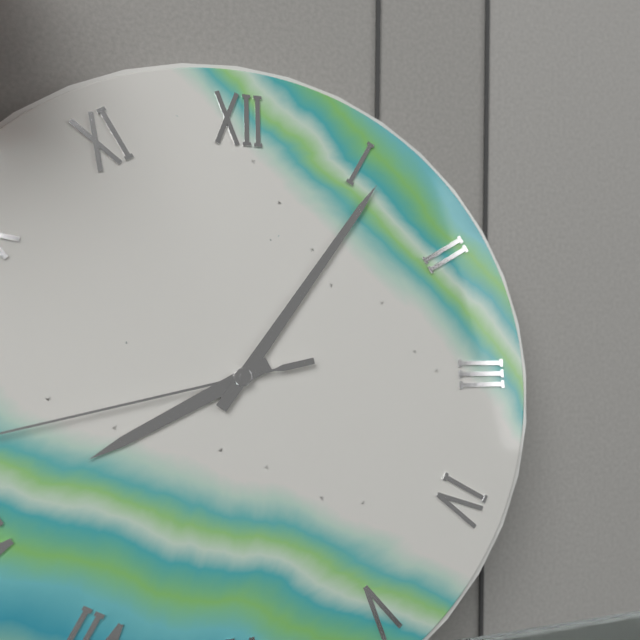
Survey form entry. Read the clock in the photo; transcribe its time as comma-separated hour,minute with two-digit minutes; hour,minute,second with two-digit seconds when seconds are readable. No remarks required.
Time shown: 8,06
